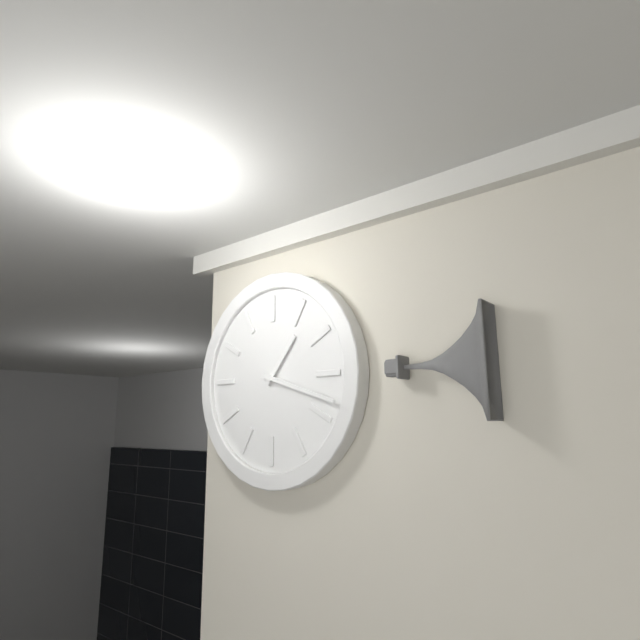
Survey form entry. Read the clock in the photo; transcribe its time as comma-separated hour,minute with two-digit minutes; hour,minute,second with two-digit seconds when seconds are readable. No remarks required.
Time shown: 1,18
